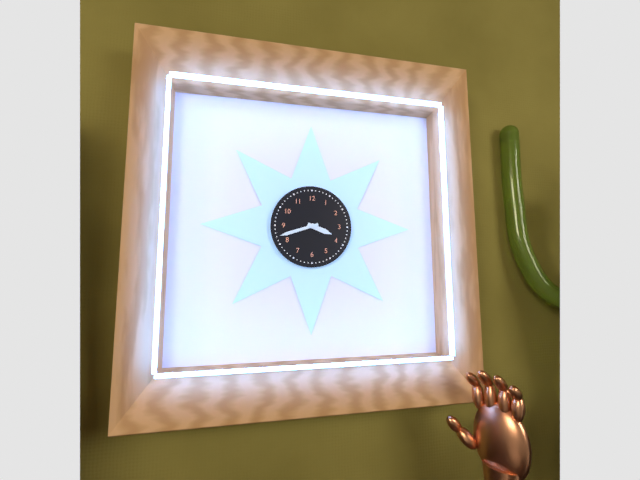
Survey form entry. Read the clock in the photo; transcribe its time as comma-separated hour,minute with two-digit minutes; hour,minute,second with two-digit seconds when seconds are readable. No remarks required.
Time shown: 3,42
